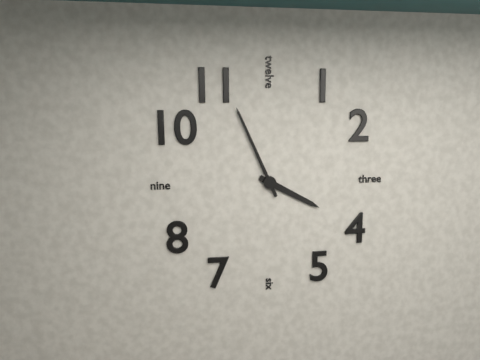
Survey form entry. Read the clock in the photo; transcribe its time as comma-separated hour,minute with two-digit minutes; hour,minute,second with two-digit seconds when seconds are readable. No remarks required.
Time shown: 3,56
